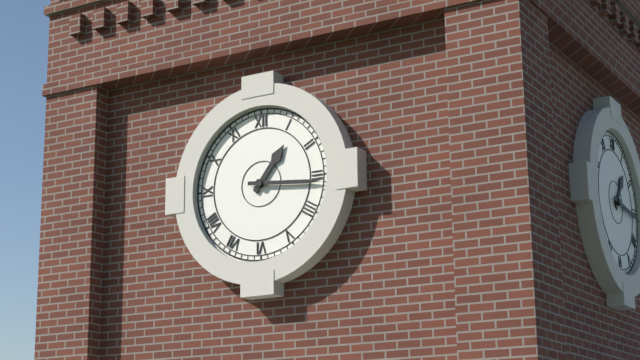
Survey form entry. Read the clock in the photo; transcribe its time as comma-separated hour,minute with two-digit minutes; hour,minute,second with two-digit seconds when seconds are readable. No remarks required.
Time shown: 1,16
